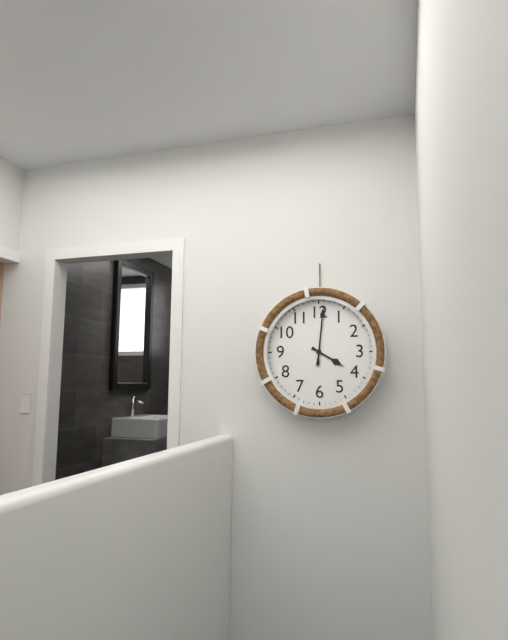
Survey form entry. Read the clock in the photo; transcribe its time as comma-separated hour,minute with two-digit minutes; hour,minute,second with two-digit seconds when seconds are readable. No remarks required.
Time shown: 4,01
